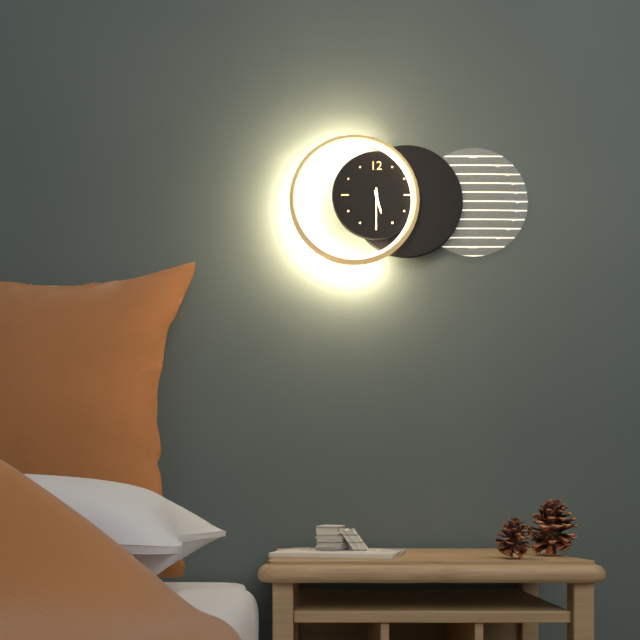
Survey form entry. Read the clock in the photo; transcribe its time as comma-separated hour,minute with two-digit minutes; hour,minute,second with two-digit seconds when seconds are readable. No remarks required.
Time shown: 5,30
